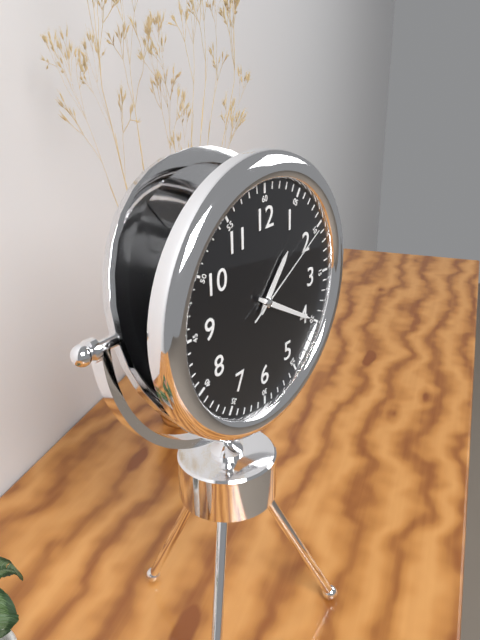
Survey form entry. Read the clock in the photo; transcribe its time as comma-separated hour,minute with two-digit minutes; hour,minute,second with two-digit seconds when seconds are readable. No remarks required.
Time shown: 1,20,10
